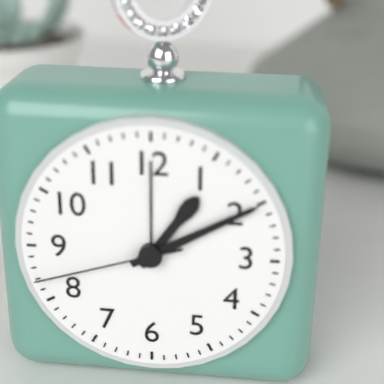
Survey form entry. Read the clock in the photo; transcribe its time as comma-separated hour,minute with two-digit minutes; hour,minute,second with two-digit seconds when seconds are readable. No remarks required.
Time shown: 1,10,42
